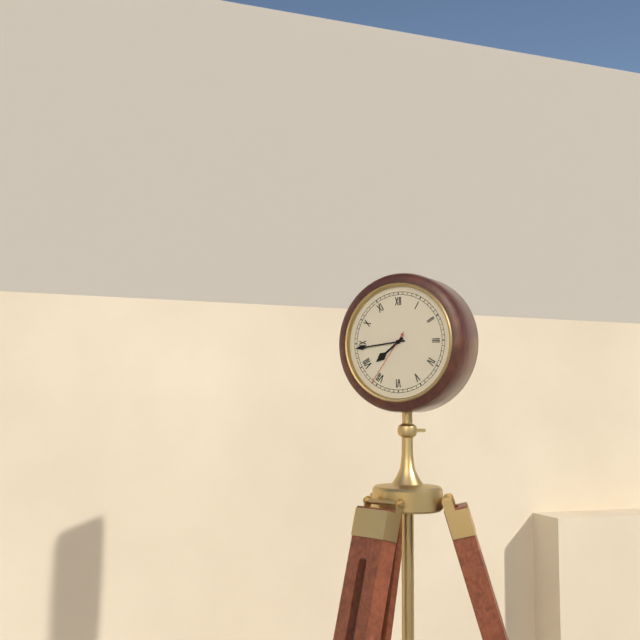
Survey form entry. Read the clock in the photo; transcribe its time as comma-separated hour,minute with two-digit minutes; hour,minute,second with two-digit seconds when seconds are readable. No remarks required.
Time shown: 7,44,36
